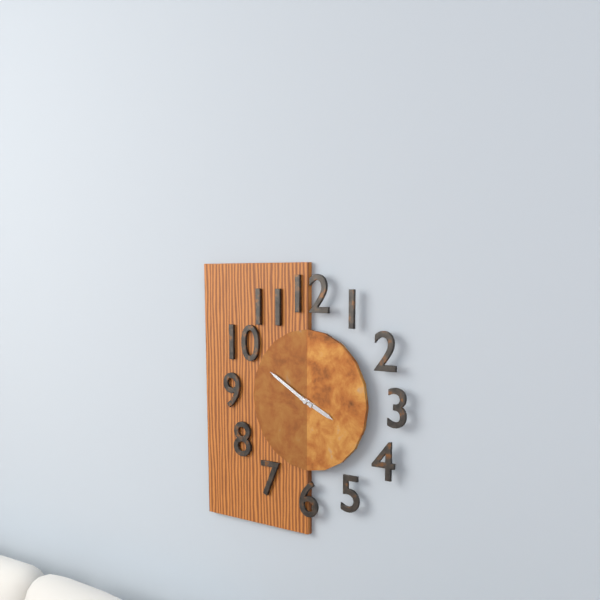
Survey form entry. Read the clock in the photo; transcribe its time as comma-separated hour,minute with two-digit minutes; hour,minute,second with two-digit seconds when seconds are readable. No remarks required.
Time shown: 3,50
